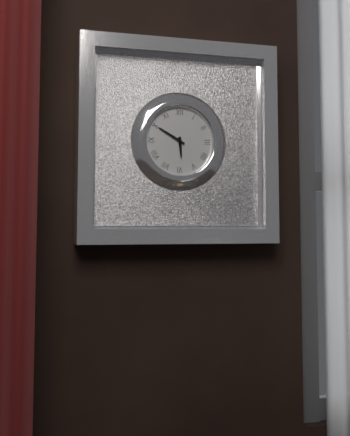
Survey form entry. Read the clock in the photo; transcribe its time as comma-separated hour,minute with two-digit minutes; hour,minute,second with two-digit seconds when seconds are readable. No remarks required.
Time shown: 5,50
